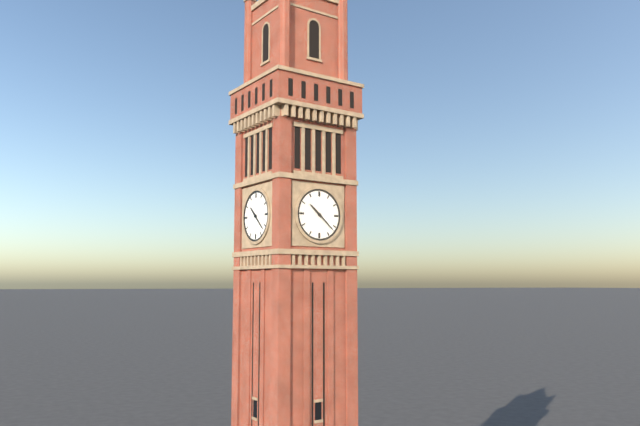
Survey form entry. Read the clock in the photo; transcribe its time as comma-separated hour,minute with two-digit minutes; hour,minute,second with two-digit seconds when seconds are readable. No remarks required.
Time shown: 10,22
